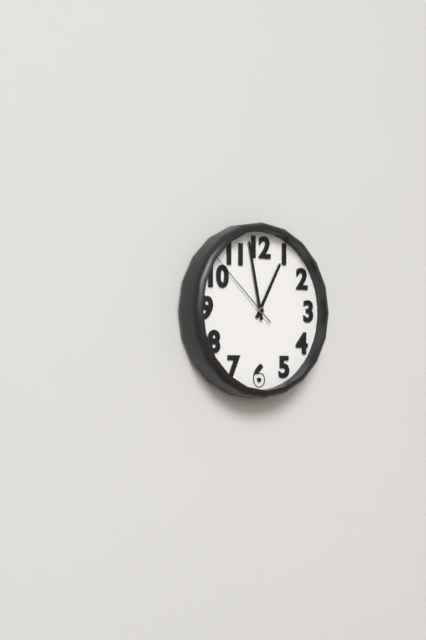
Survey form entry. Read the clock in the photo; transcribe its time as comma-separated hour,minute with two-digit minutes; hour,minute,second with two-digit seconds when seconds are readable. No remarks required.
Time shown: 12,58,52
